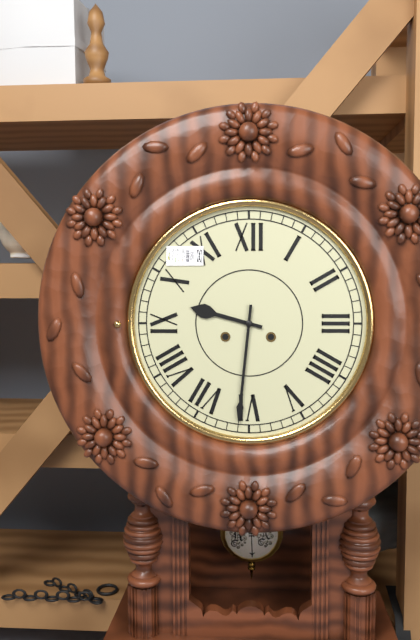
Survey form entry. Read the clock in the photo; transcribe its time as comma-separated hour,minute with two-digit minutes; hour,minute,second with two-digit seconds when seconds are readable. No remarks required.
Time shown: 9,31
